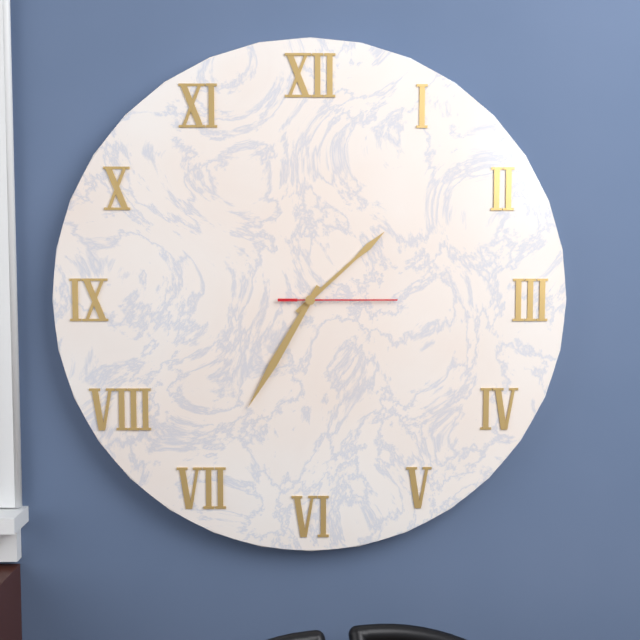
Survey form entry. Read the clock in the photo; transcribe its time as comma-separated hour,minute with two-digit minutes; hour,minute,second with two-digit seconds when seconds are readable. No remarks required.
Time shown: 1,35,15
